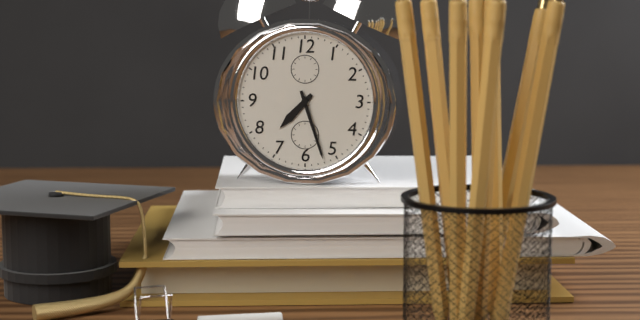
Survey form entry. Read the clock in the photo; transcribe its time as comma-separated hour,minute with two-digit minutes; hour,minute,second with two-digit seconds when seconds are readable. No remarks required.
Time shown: 7,27
